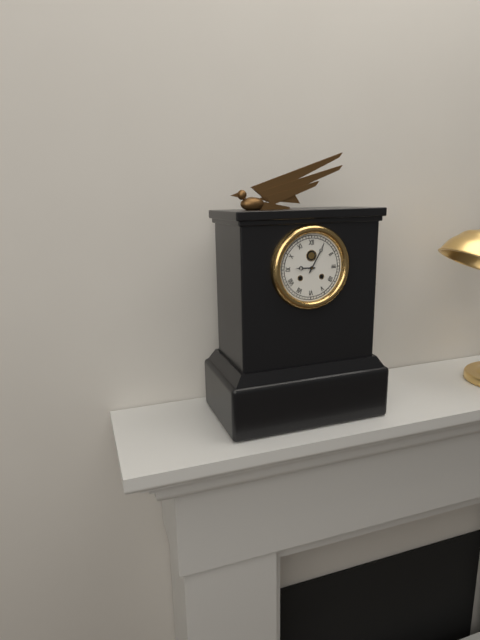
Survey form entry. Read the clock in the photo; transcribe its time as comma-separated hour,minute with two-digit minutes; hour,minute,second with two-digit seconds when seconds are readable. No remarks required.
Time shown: 9,05
